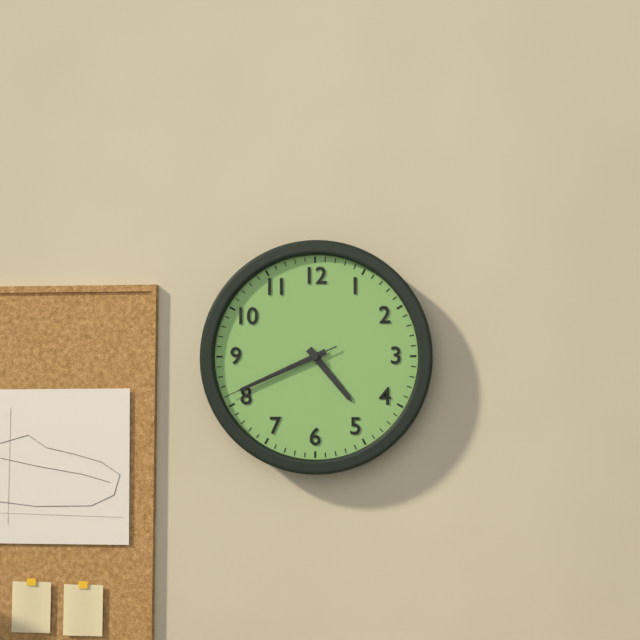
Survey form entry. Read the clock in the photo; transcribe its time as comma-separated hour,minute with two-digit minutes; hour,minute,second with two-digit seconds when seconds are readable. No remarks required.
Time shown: 4,41,41
